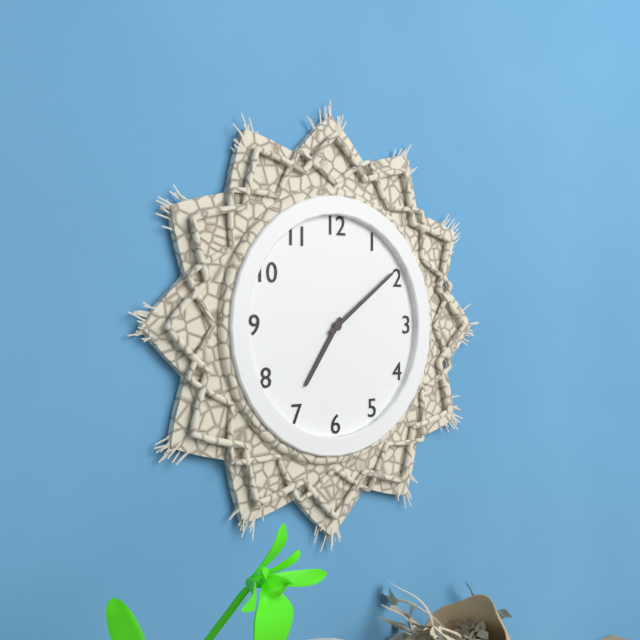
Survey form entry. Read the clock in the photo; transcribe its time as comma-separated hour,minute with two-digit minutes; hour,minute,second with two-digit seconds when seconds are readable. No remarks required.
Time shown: 7,09
